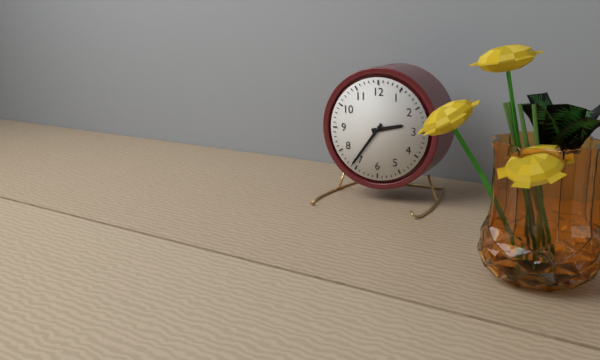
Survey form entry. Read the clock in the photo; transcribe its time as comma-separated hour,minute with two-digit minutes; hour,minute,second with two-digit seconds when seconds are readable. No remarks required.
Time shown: 2,36
